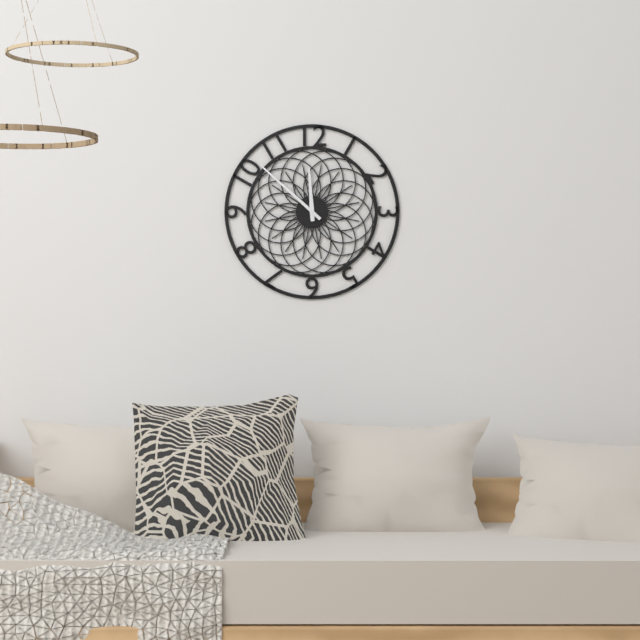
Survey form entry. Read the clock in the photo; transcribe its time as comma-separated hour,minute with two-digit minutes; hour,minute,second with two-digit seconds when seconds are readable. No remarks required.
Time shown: 11,52
